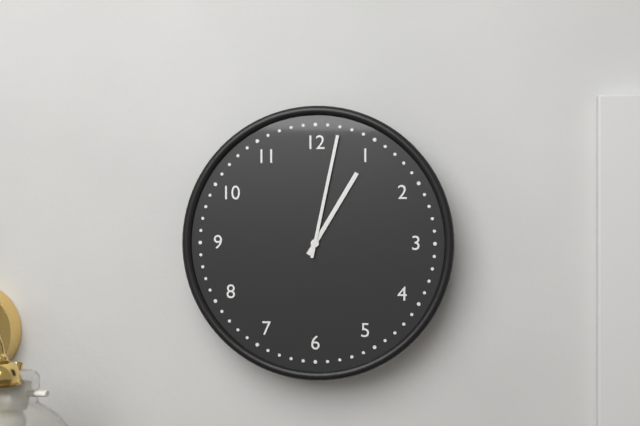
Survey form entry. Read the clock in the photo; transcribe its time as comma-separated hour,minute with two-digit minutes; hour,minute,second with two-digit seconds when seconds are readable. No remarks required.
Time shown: 1,02
